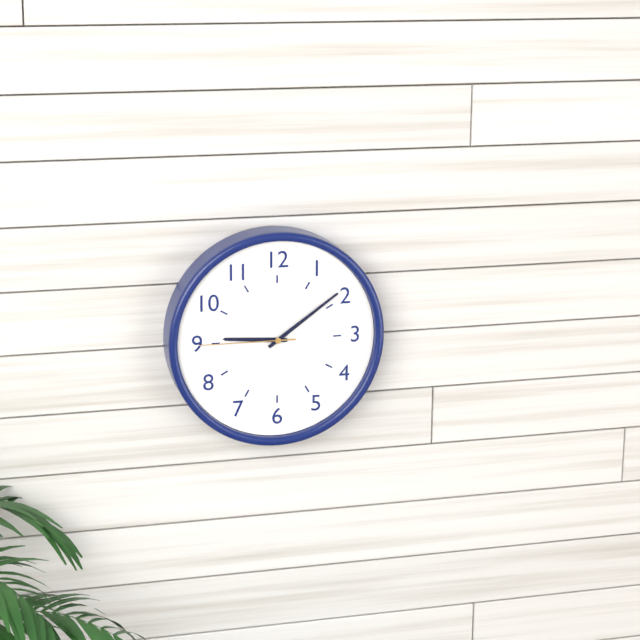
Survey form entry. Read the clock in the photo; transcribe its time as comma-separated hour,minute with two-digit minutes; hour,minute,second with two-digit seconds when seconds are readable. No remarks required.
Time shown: 9,09,45
